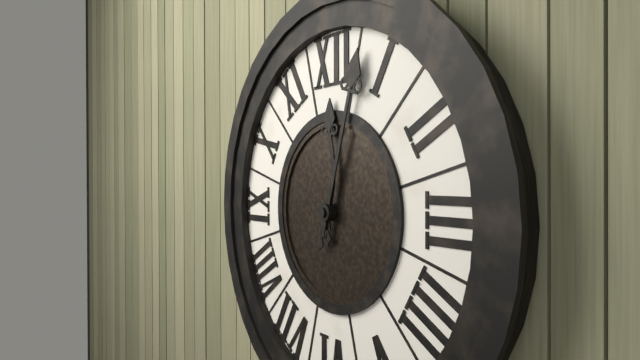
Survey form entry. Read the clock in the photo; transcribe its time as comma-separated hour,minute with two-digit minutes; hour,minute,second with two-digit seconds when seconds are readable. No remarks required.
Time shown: 12,03
